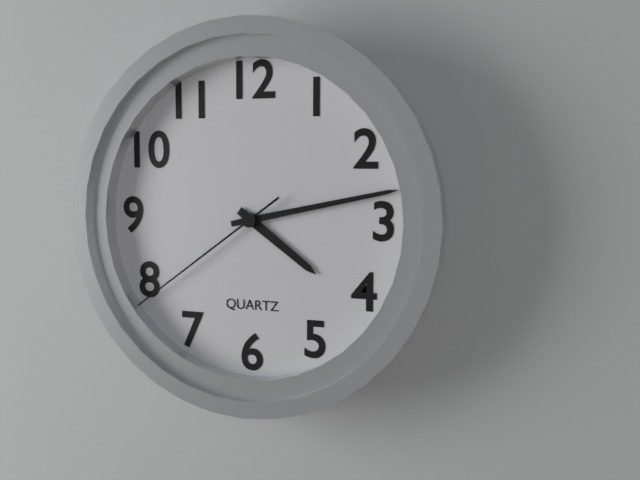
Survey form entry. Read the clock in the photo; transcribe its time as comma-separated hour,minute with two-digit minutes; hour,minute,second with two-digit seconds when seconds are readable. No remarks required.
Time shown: 4,13,39
